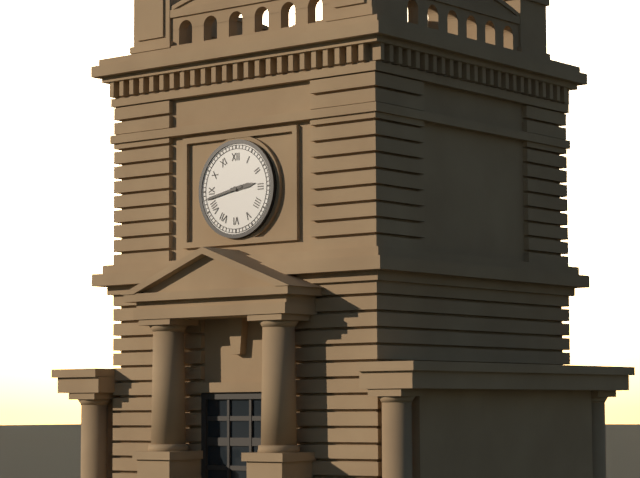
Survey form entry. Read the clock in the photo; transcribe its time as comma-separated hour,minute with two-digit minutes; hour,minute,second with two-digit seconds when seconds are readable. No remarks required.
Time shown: 2,43
